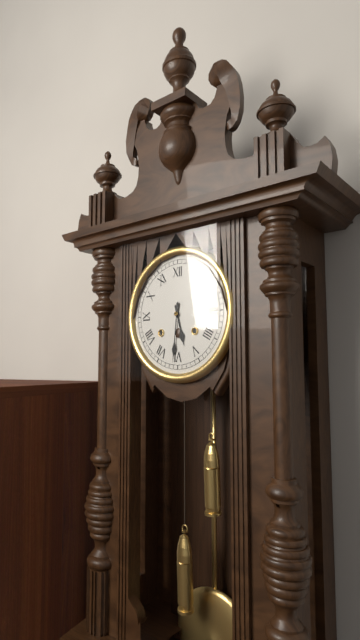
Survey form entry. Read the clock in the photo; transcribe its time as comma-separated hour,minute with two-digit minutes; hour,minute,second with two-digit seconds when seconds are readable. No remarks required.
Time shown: 5,31
